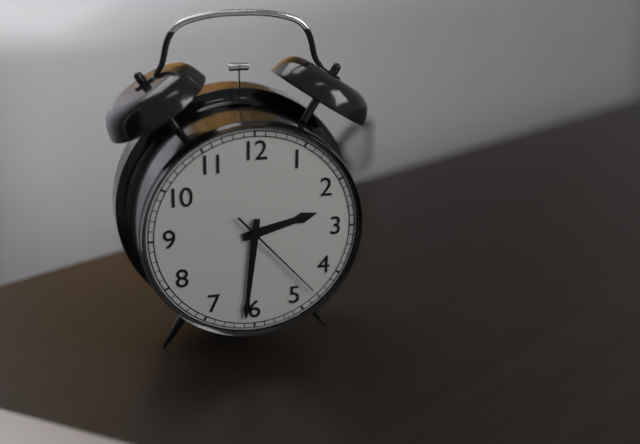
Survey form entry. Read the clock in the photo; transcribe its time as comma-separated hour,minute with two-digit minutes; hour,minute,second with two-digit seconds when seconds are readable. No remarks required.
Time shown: 2,31,23
